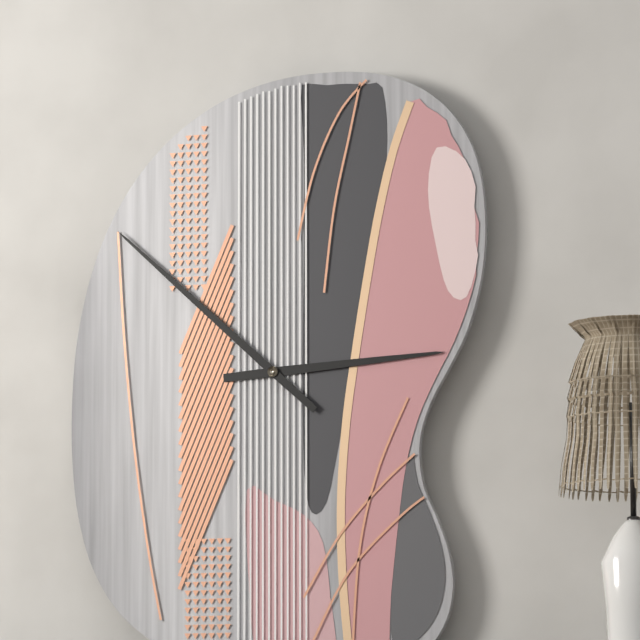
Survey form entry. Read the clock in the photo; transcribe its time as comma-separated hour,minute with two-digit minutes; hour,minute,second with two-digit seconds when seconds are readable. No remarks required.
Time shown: 2,52
